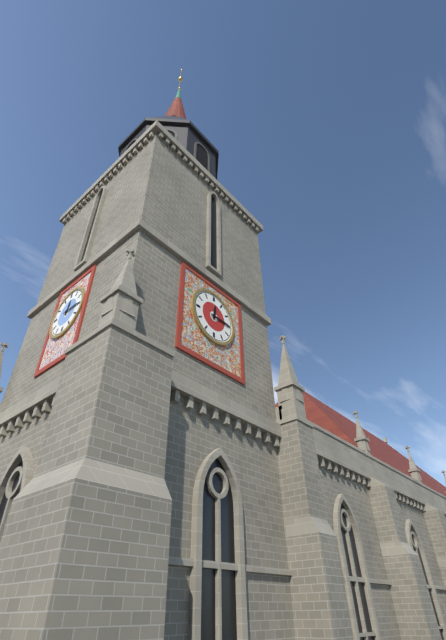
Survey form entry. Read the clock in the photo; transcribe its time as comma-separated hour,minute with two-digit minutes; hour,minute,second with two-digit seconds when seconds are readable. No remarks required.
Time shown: 12,15
